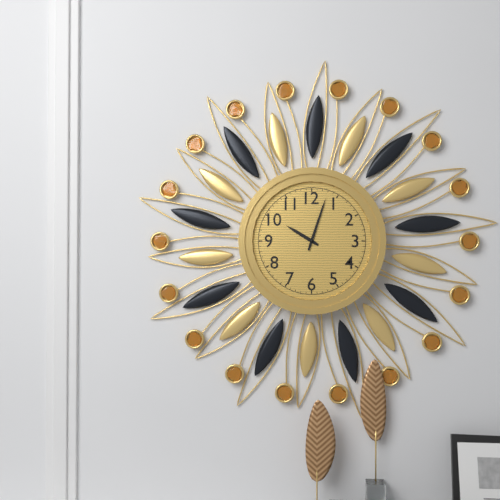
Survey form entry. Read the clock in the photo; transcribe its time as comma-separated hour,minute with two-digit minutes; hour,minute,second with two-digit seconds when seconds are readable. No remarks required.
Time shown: 10,03
